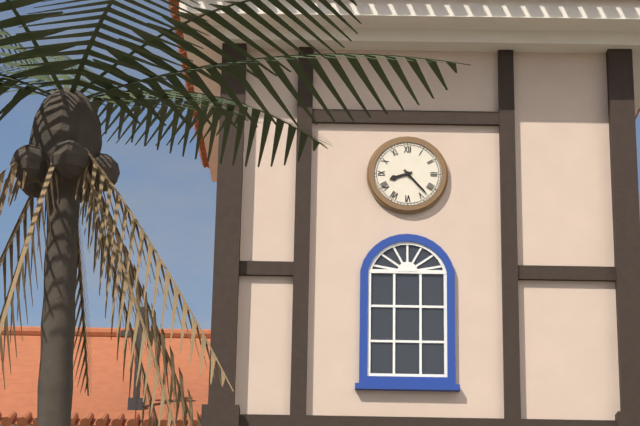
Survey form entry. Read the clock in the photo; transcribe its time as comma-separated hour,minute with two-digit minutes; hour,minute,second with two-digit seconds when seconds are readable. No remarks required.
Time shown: 8,23
